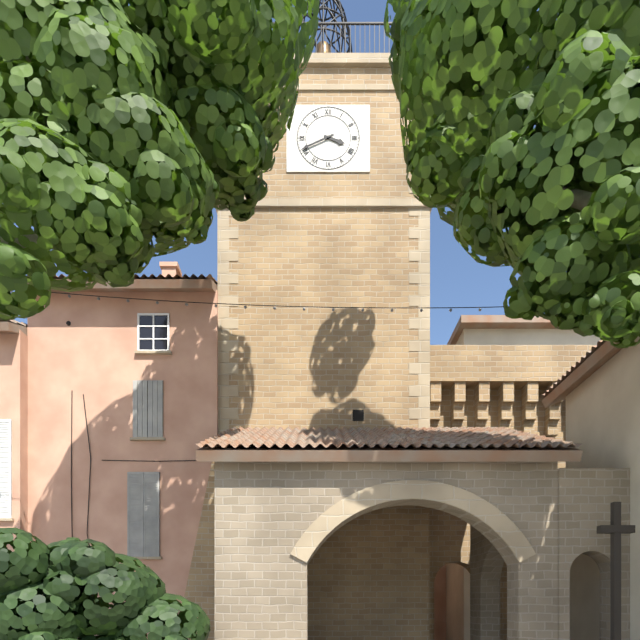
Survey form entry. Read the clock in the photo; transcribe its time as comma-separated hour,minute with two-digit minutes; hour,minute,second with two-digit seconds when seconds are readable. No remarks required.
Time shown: 3,41
